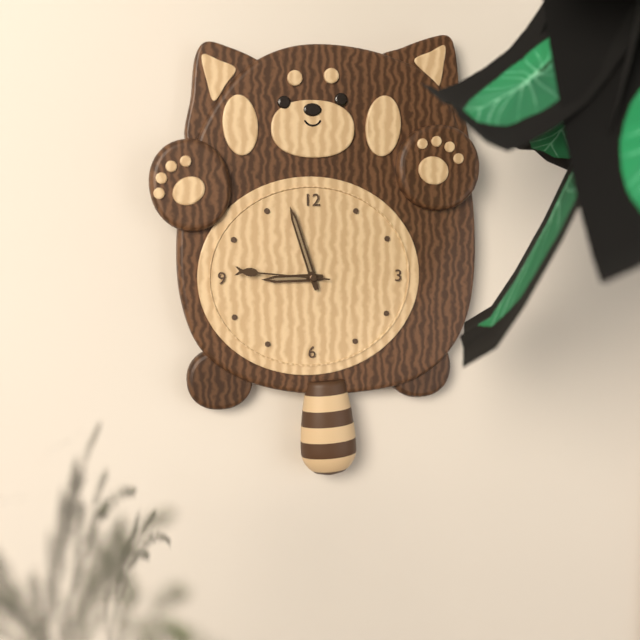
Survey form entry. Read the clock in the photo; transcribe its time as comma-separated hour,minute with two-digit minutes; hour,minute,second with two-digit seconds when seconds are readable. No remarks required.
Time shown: 8,57,46
